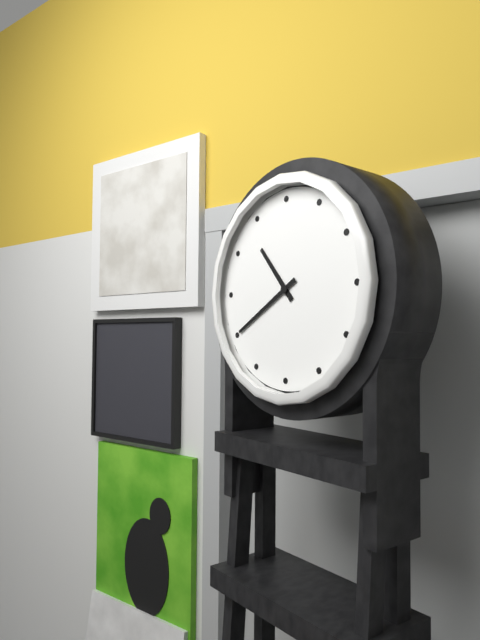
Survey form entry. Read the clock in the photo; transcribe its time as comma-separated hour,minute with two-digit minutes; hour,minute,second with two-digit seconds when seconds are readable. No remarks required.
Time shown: 10,40
